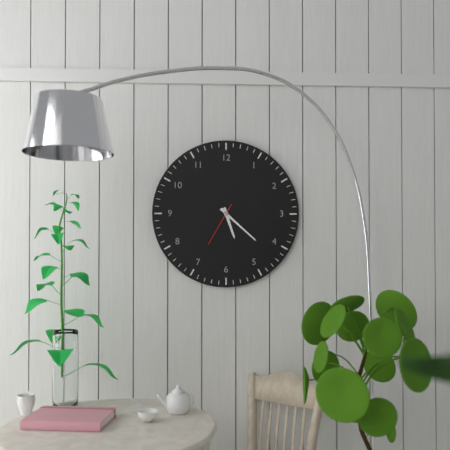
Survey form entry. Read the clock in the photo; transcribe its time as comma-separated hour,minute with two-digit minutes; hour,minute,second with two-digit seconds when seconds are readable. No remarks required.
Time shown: 5,22
